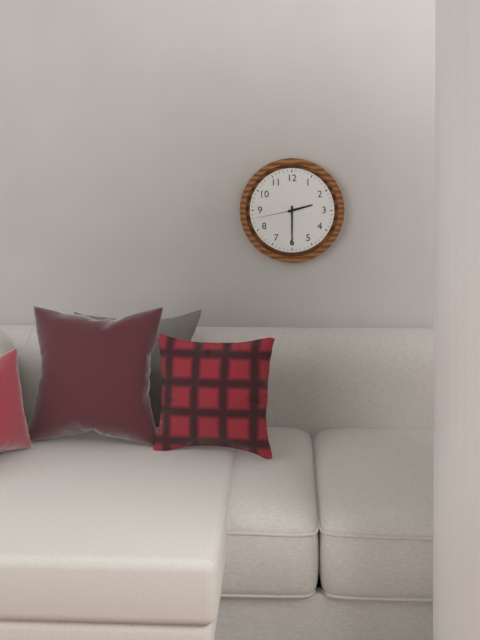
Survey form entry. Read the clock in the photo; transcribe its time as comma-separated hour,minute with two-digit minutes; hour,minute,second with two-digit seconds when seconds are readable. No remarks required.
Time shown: 2,30
